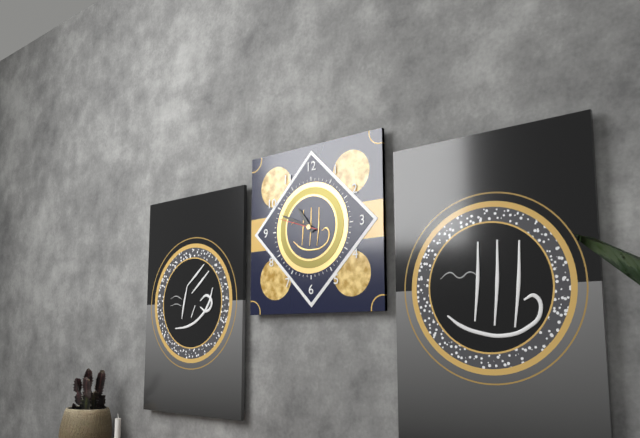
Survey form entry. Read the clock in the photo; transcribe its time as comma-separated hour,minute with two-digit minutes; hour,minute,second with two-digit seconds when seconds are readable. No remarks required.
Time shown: 10,49
